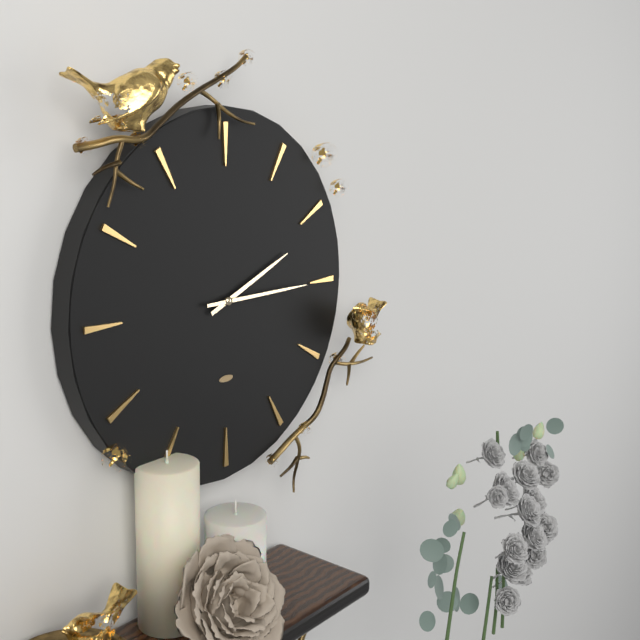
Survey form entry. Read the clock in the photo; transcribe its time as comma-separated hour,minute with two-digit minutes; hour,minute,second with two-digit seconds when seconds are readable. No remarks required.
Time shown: 2,15
